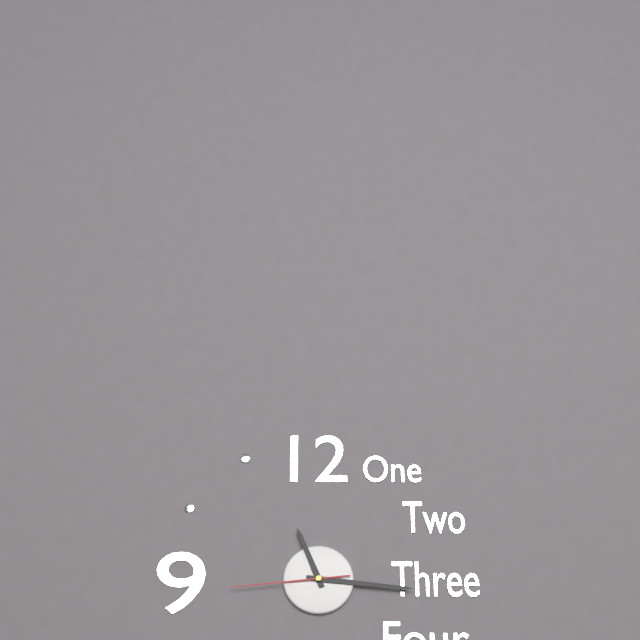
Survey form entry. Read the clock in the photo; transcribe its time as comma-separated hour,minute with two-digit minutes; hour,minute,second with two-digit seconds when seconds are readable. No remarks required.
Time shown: 11,16,44
